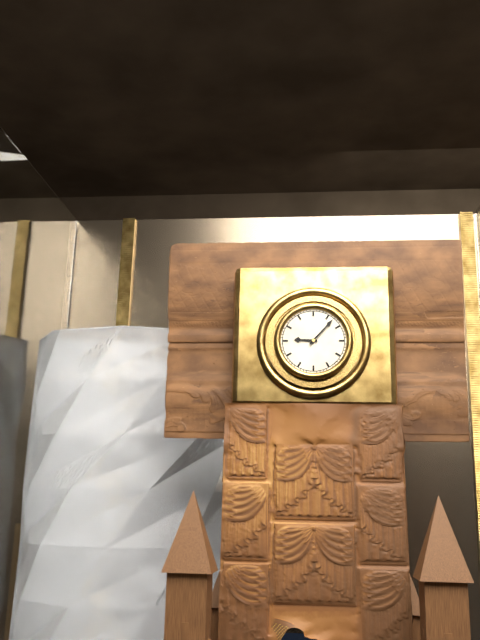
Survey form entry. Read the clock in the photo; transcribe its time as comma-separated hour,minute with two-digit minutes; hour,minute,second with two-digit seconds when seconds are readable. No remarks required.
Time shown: 9,07
